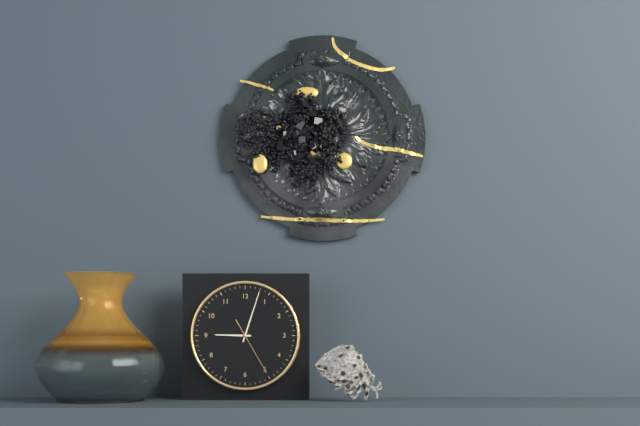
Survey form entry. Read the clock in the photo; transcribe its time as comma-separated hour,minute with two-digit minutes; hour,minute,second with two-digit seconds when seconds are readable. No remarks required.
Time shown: 9,03,25
